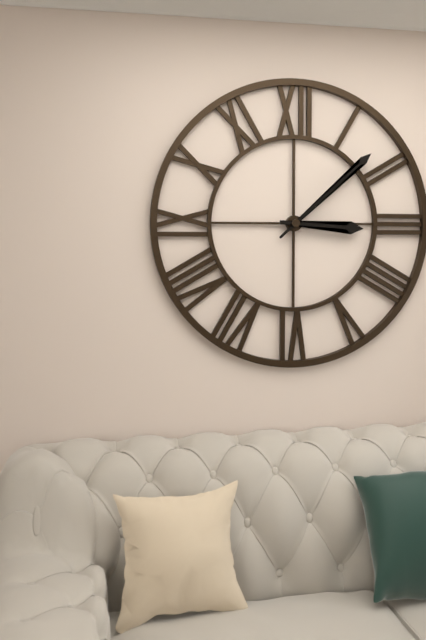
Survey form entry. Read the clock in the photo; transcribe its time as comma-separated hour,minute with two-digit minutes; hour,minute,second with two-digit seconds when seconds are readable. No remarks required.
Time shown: 3,08
